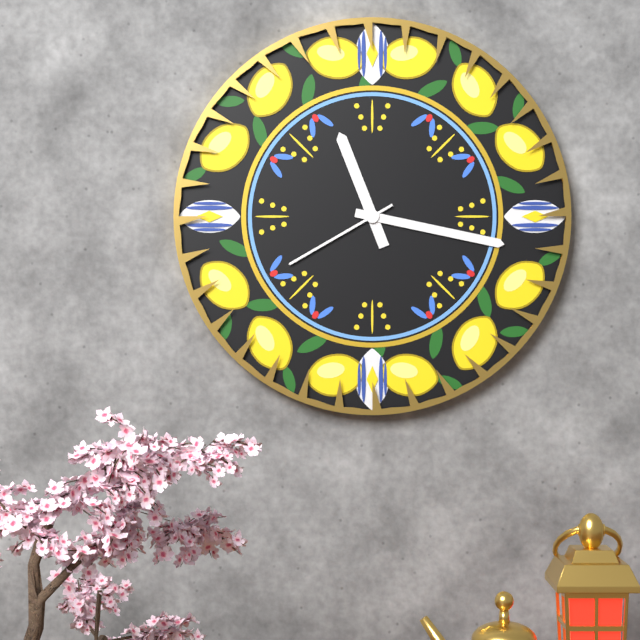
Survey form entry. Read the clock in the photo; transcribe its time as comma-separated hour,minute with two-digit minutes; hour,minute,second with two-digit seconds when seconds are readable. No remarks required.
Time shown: 11,17,40
